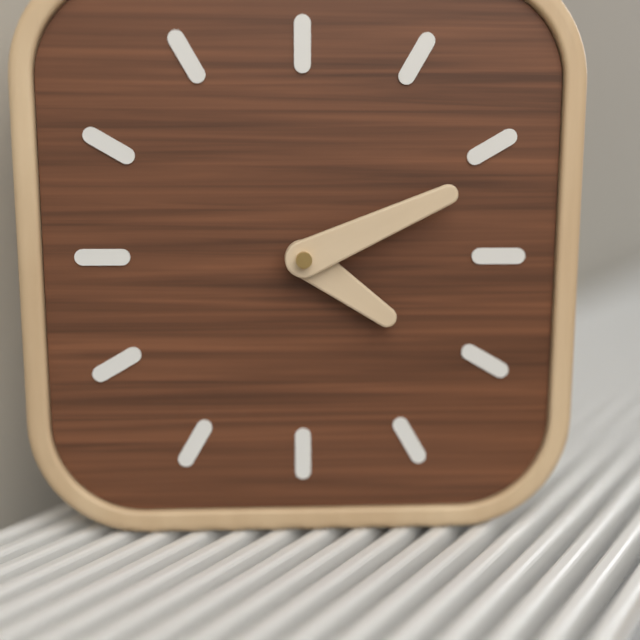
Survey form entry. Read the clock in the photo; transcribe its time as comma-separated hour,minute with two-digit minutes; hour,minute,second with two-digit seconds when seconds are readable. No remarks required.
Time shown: 4,11
